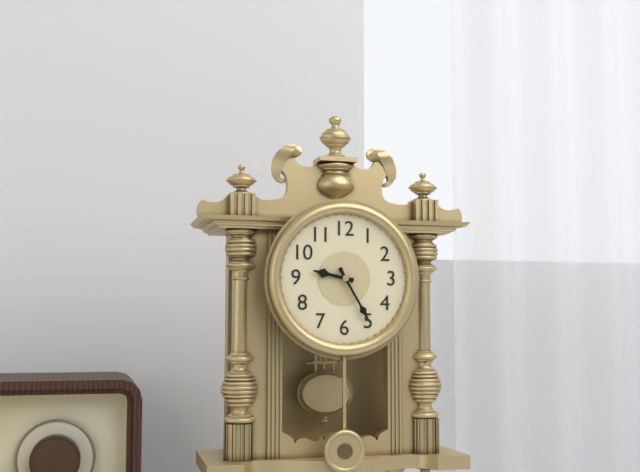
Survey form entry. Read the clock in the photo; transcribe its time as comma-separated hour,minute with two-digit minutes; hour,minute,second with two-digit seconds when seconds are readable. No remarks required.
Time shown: 9,25
